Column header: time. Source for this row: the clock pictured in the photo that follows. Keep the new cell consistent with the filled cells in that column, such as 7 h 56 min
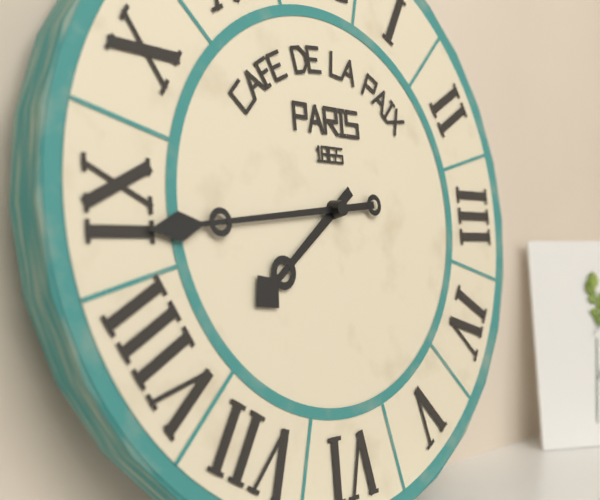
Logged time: 7 h 44 min
